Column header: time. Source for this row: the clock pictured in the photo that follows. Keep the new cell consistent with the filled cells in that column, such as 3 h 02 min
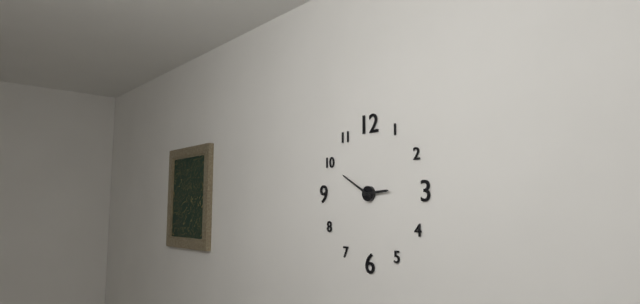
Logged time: 2 h 50 min
